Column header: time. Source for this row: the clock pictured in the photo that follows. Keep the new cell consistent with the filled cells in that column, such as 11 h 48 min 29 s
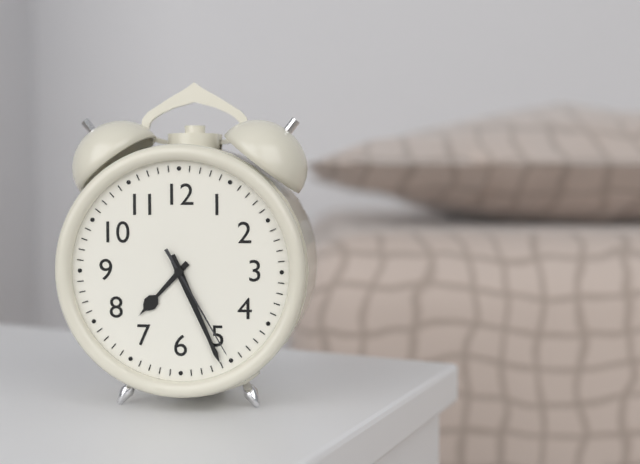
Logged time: 7 h 26 min 25 s
